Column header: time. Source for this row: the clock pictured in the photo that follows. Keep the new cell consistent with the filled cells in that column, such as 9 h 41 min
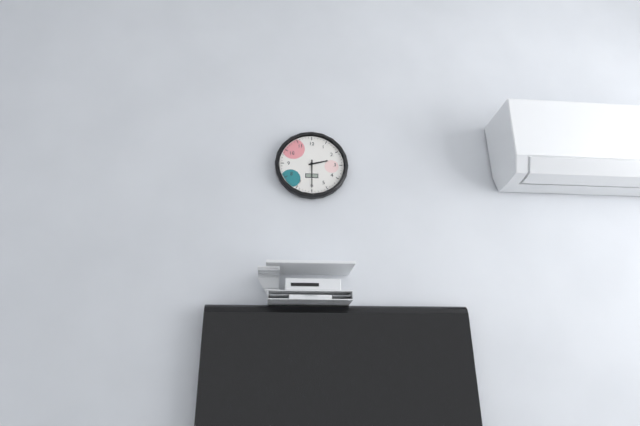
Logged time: 2 h 30 min
